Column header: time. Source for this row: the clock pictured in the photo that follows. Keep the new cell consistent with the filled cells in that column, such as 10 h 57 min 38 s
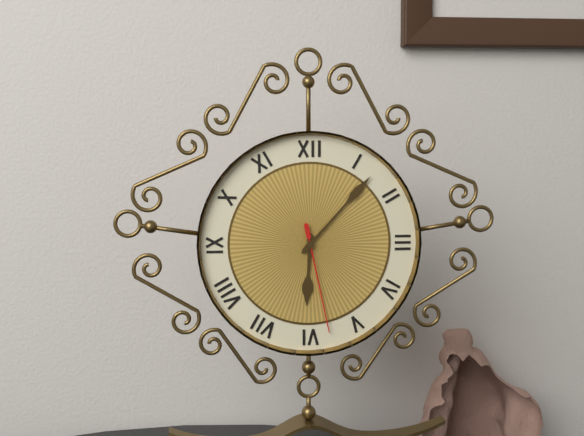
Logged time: 6 h 07 min 28 s
